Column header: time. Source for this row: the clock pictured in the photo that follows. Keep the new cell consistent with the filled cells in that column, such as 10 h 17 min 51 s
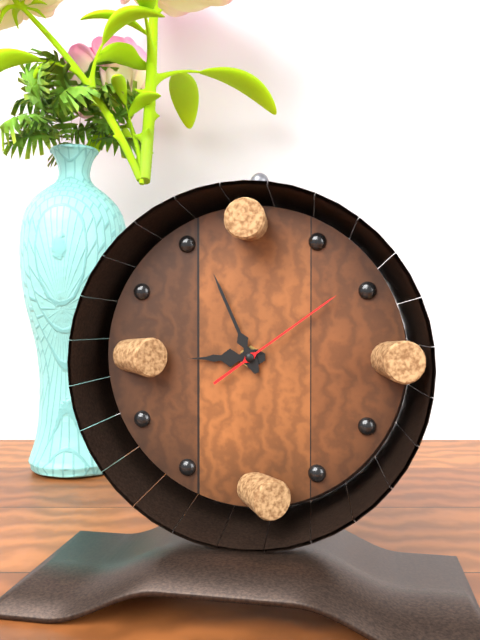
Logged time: 8 h 56 min 09 s
